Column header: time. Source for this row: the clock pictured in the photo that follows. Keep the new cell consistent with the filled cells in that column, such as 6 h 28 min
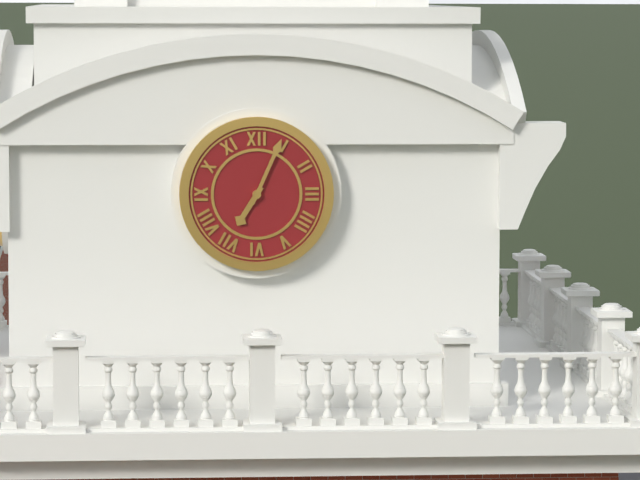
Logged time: 7 h 04 min
